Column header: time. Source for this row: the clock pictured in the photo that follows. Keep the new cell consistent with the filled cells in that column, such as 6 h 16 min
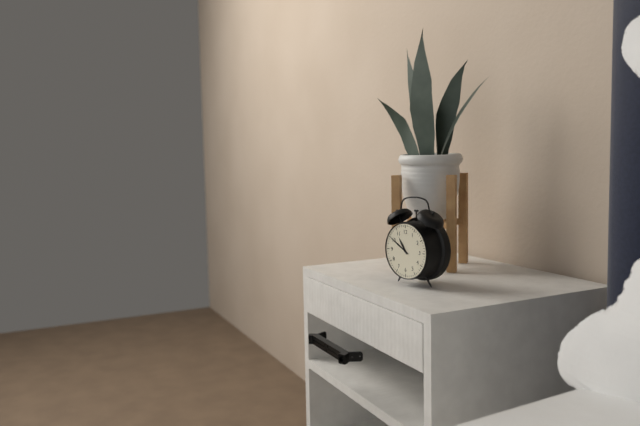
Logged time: 10 h 50 min
